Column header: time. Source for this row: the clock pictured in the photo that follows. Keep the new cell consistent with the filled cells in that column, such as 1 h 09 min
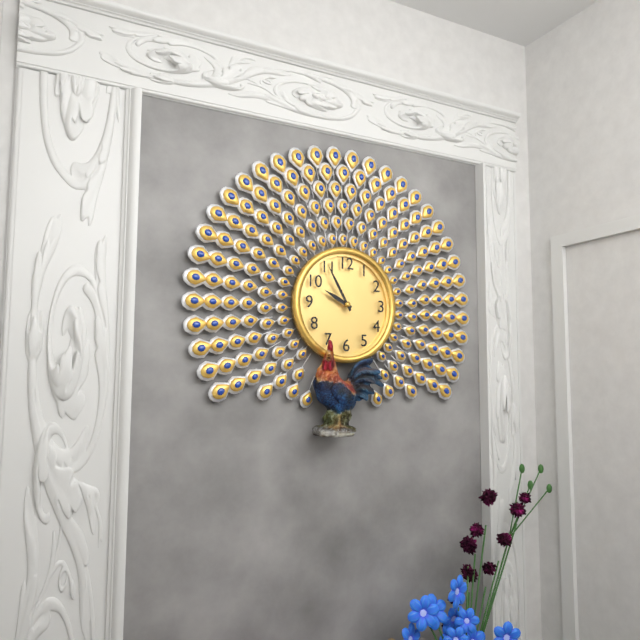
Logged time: 9 h 55 min
